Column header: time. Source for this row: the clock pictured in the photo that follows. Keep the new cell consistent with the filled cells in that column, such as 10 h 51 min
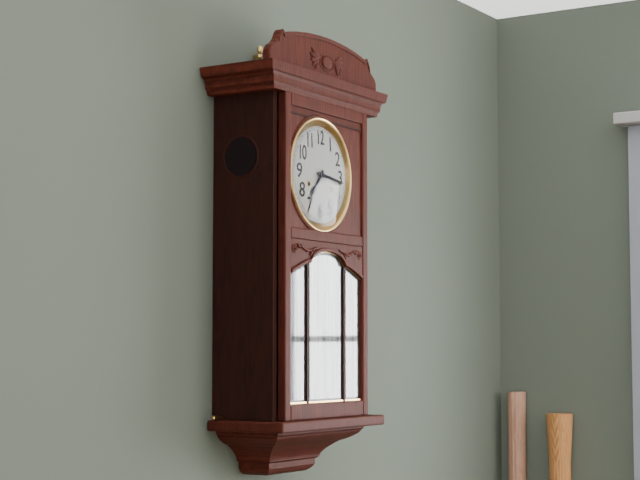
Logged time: 7 h 16 min
